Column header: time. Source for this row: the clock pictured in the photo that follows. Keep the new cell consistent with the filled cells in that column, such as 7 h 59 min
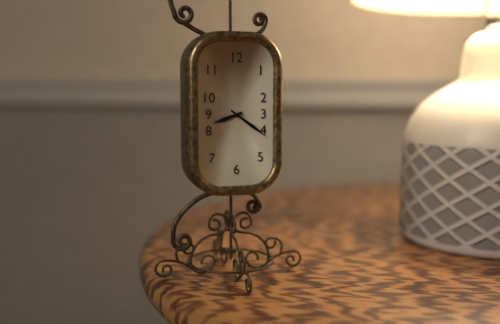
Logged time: 8 h 21 min
